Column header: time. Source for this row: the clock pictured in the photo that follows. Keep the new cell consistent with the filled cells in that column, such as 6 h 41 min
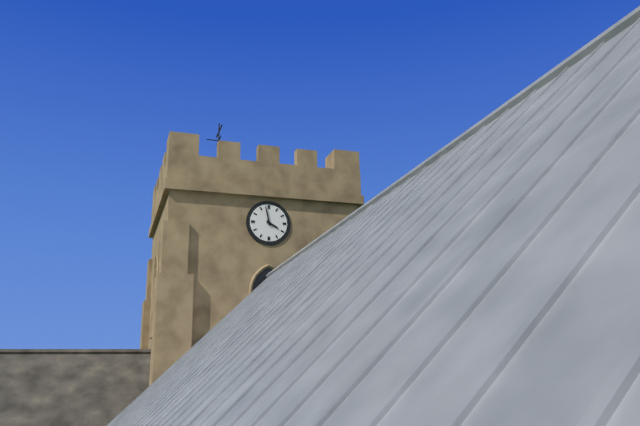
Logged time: 3 h 58 min
